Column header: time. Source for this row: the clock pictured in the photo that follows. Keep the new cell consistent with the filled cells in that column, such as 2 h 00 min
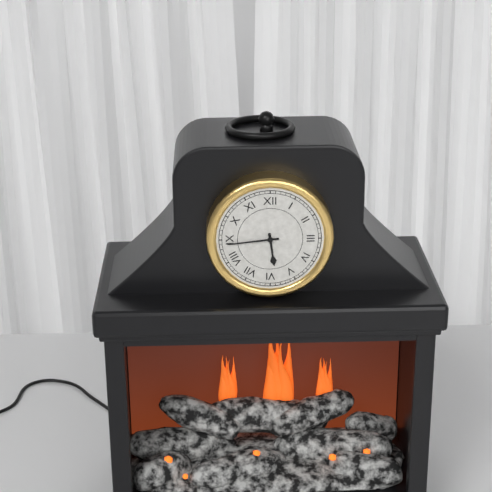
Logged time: 5 h 44 min
